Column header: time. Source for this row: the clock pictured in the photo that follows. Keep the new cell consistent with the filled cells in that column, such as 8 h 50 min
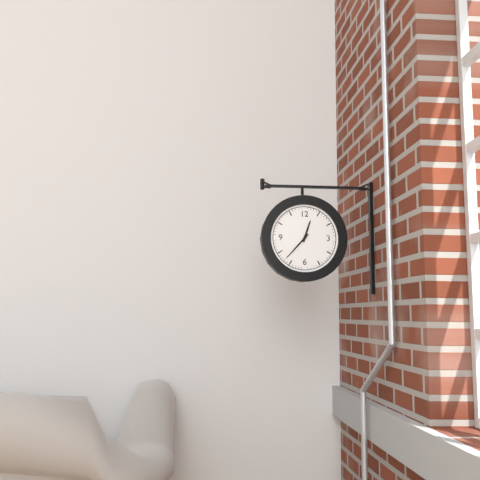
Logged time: 12 h 37 min
